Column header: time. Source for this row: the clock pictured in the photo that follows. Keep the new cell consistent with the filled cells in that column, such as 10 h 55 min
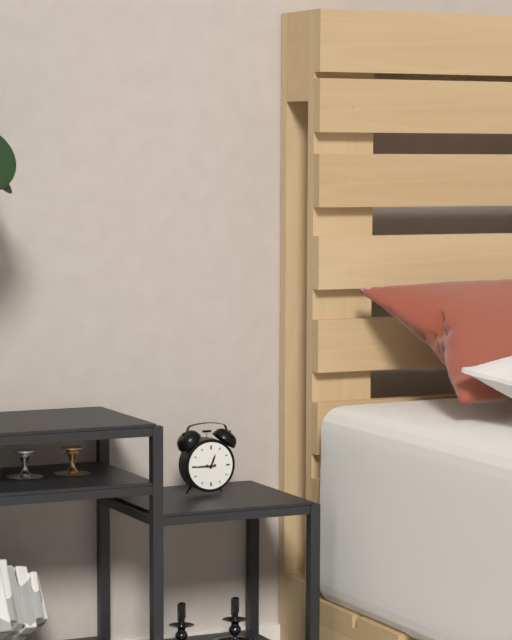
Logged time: 12 h 45 min
